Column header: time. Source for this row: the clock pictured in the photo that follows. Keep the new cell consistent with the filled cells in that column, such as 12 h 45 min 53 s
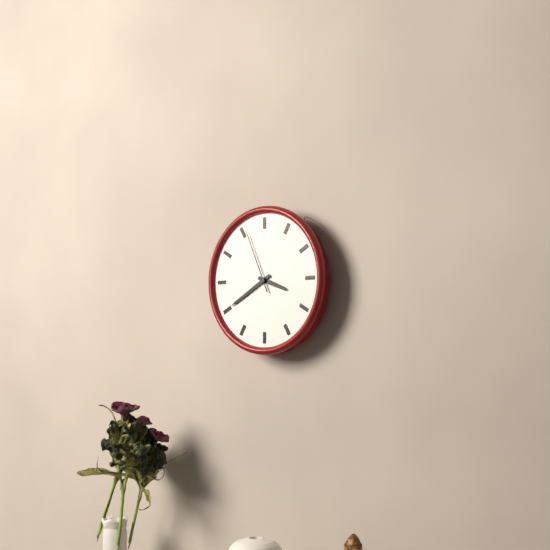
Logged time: 3 h 40 min 56 s
